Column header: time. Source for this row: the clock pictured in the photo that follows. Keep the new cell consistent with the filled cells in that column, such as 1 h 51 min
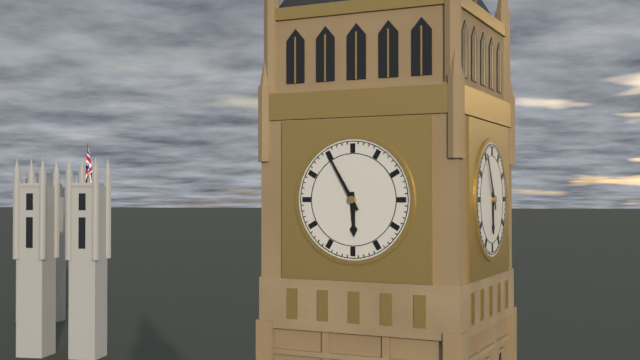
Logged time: 5 h 55 min
